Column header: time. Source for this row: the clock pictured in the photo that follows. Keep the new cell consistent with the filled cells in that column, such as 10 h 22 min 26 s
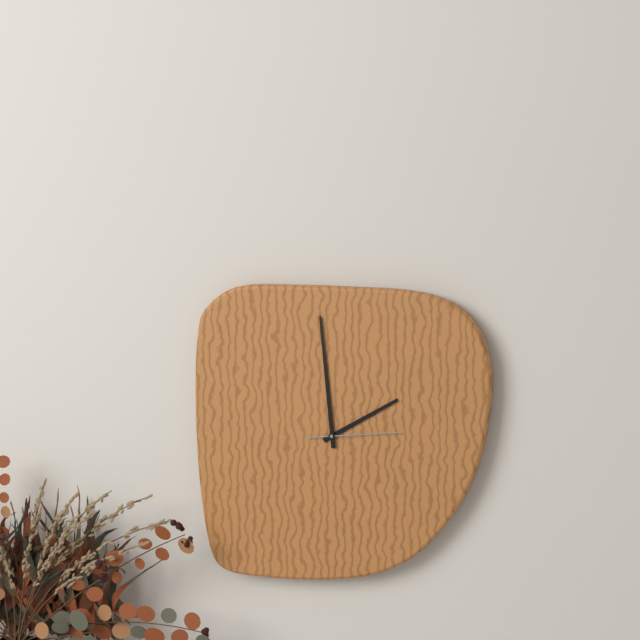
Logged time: 1 h 59 min 14 s
